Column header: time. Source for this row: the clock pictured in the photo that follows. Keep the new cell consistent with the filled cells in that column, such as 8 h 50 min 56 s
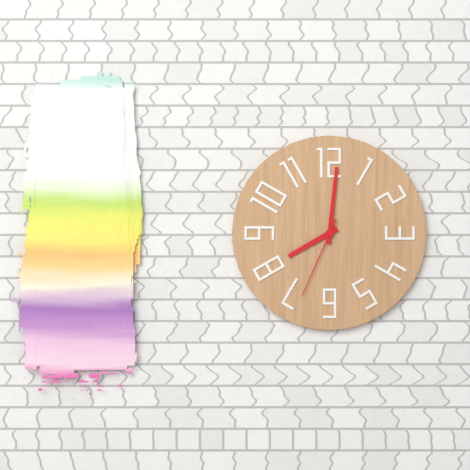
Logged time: 8 h 01 min 34 s
